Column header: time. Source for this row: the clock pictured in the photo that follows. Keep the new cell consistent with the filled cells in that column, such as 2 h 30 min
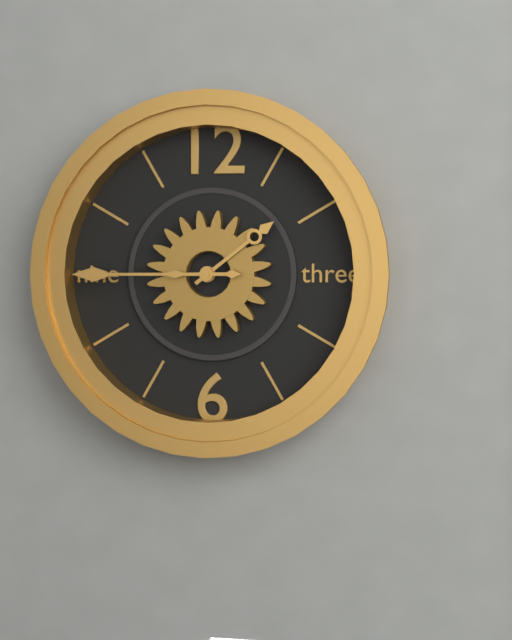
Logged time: 1 h 45 min
